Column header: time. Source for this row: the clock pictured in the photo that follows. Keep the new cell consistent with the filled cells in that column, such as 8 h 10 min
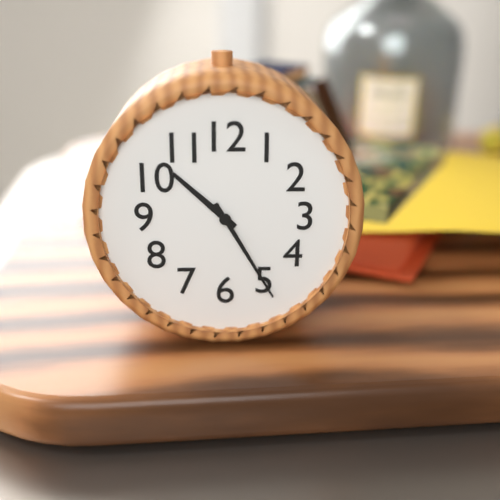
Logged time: 10 h 25 min
